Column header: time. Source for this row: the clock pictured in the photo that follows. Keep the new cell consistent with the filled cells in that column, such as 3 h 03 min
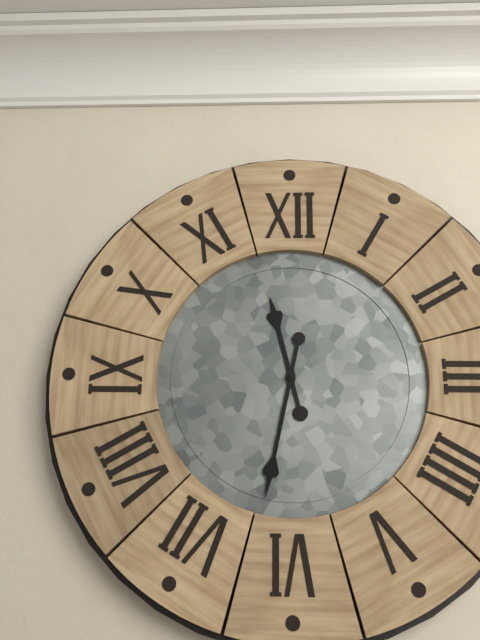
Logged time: 11 h 32 min
